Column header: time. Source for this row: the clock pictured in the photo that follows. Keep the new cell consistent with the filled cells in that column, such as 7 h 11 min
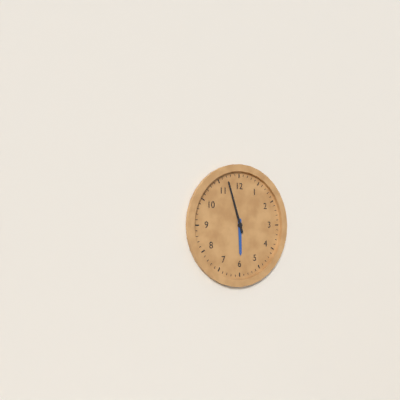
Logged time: 5 h 57 min
